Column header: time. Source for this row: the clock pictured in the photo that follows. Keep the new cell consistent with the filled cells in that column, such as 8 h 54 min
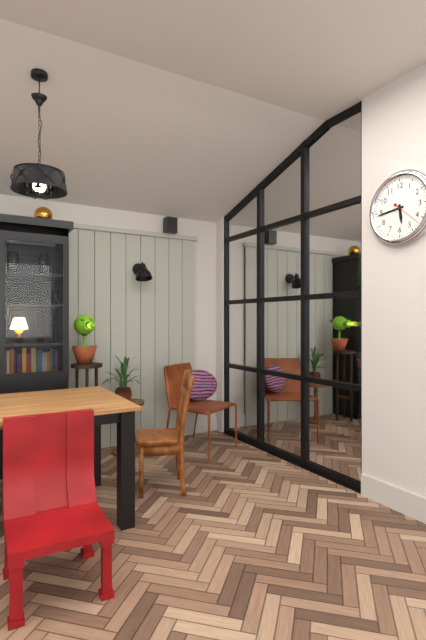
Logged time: 5 h 44 min
